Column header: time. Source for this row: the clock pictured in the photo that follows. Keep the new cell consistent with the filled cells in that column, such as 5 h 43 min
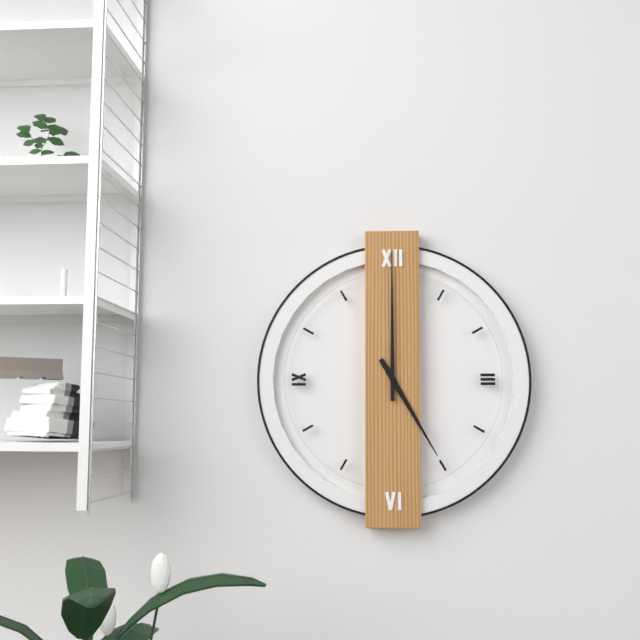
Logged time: 5 h 00 min
